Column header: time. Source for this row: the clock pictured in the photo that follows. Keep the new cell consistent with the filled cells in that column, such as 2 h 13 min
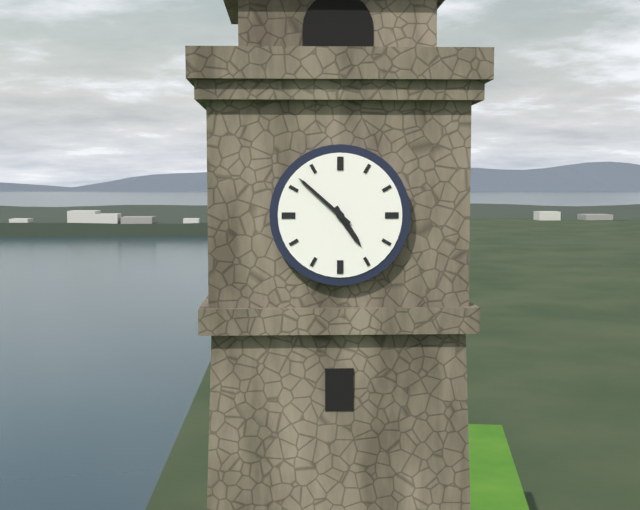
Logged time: 4 h 52 min
